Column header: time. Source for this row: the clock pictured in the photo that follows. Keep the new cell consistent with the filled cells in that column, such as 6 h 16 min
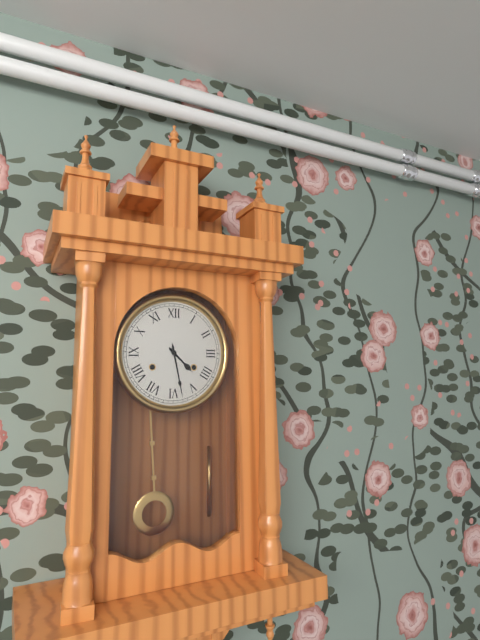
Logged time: 4 h 28 min
